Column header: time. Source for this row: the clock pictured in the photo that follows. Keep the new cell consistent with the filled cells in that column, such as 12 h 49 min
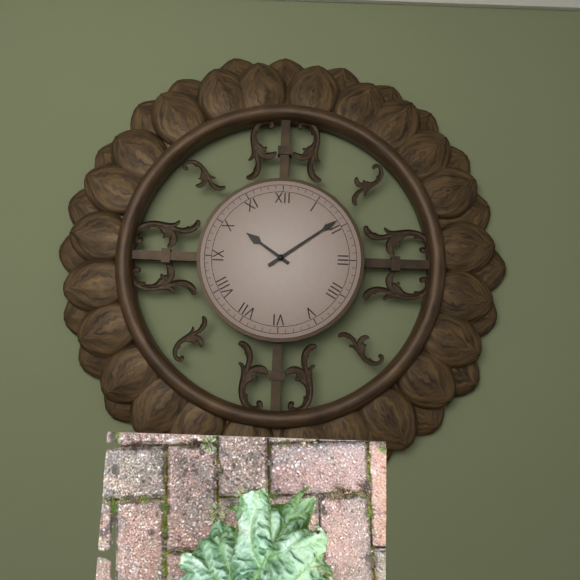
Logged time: 10 h 09 min
